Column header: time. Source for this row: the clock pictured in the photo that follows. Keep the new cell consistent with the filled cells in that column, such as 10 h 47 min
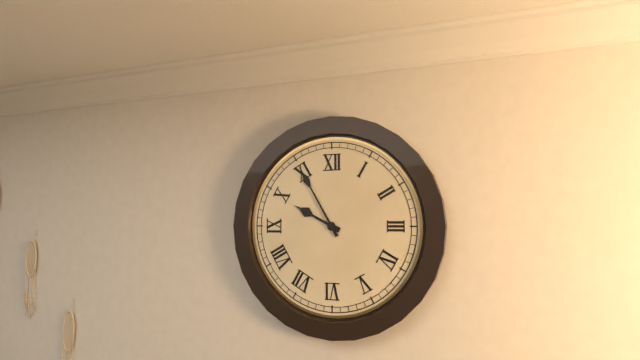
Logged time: 9 h 55 min
